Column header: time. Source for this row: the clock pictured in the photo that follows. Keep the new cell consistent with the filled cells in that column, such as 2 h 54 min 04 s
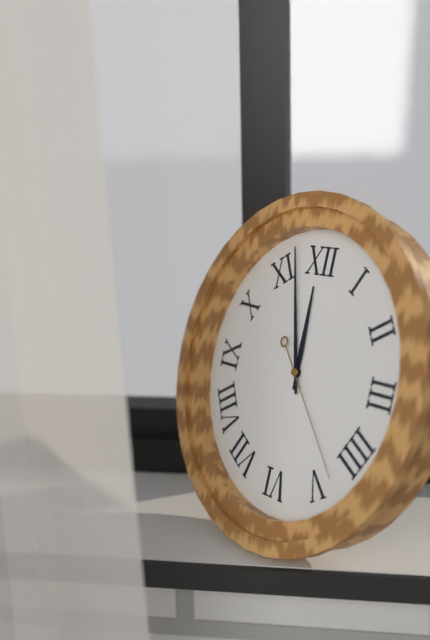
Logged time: 11 h 57 min 23 s
